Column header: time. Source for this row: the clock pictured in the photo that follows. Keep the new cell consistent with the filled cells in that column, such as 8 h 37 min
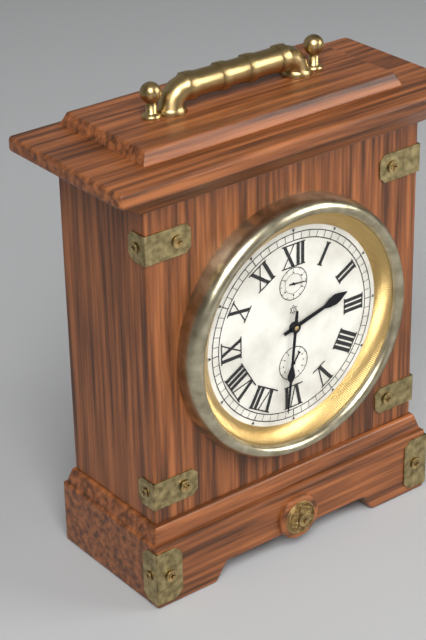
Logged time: 2 h 31 min
